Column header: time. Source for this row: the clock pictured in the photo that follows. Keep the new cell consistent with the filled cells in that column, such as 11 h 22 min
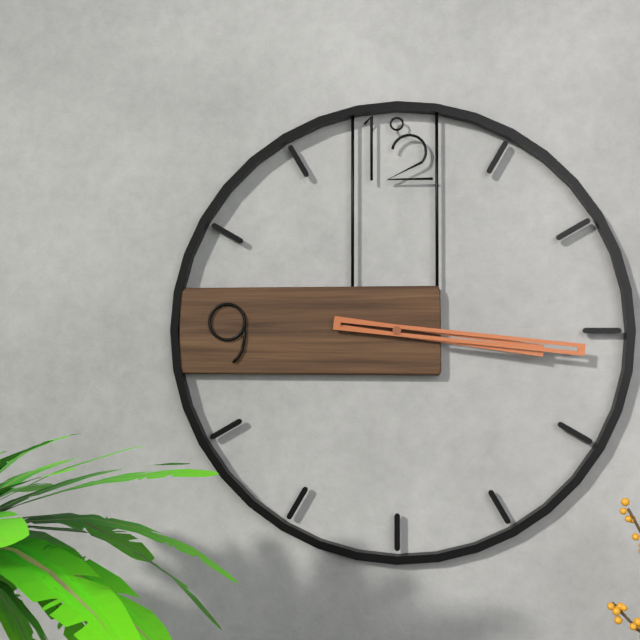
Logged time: 3 h 16 min
